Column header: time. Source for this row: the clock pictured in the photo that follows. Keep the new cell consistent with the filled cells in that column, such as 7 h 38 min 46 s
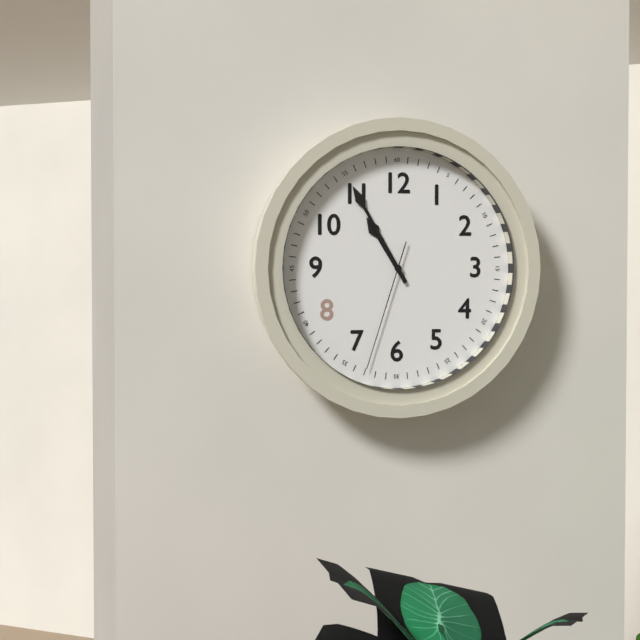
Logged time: 10 h 55 min 33 s
